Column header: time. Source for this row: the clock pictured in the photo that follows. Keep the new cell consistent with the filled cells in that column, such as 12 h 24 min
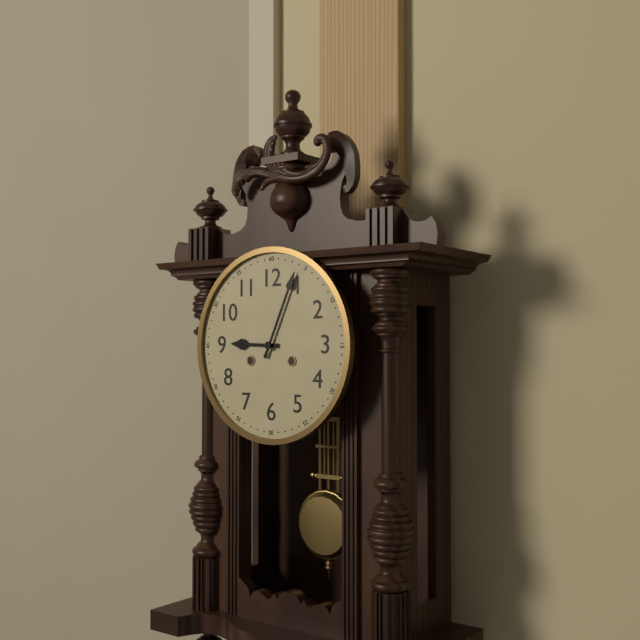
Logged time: 9 h 04 min
